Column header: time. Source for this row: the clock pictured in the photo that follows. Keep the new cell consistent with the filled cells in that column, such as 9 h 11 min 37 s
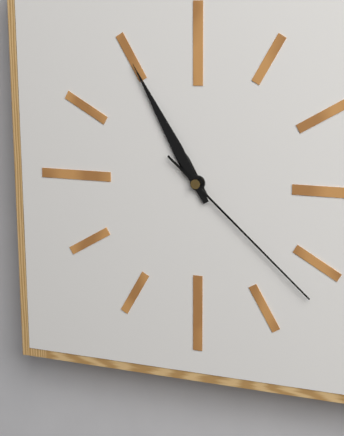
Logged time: 10 h 55 min 22 s
